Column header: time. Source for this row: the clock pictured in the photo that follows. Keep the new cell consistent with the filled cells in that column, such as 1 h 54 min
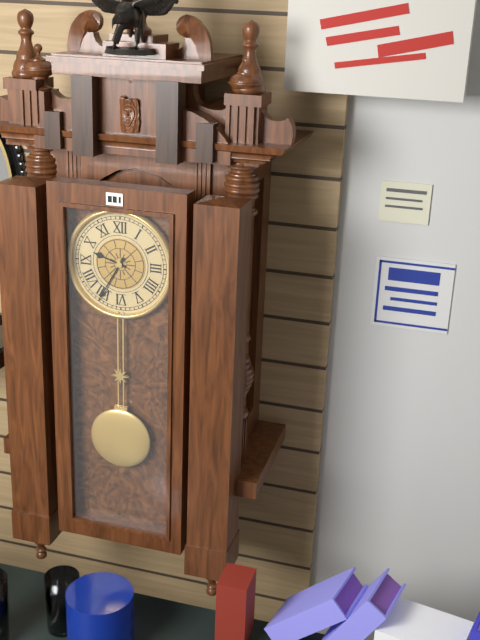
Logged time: 9 h 35 min
